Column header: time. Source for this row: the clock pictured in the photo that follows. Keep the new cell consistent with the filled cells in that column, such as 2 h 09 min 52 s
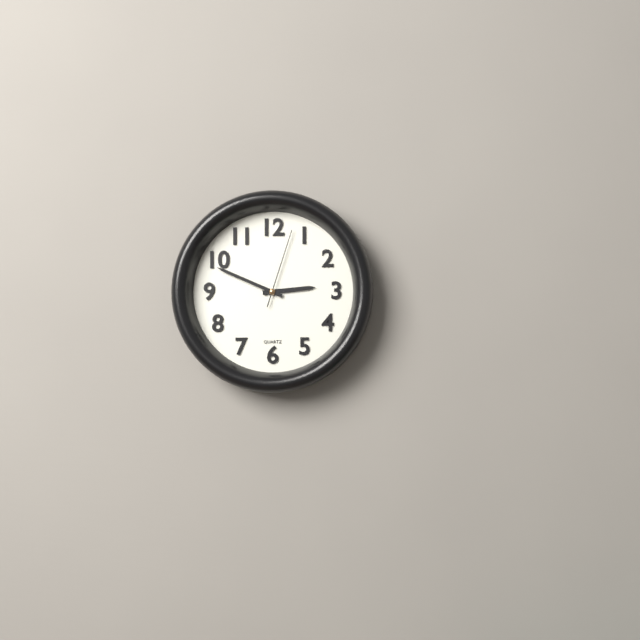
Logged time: 2 h 49 min 03 s
